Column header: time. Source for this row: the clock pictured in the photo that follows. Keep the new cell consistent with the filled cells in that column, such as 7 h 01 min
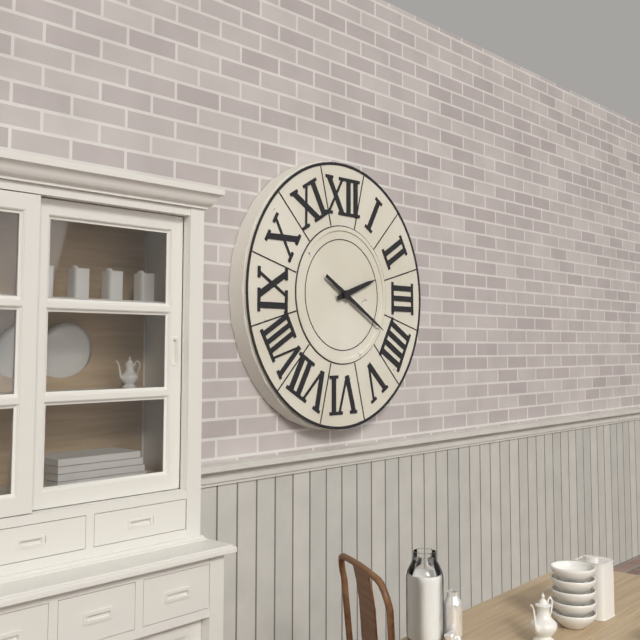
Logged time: 2 h 20 min
